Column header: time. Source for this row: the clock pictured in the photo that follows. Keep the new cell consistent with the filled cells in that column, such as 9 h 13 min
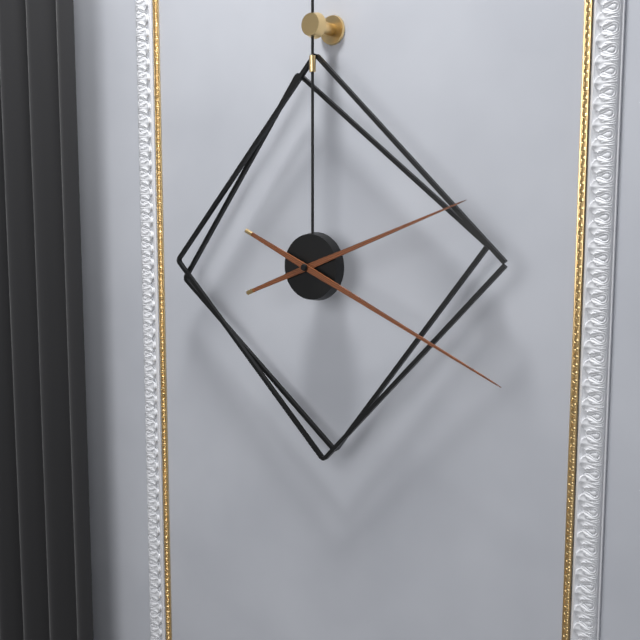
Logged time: 2 h 19 min
